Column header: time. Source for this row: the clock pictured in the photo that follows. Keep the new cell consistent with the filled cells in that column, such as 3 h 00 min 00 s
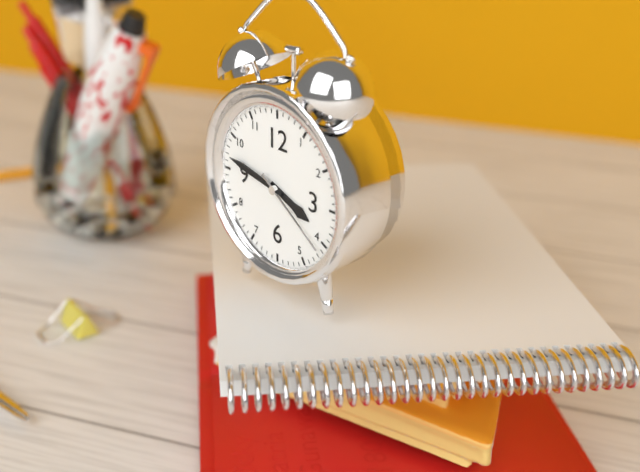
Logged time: 3 h 47 min 21 s
